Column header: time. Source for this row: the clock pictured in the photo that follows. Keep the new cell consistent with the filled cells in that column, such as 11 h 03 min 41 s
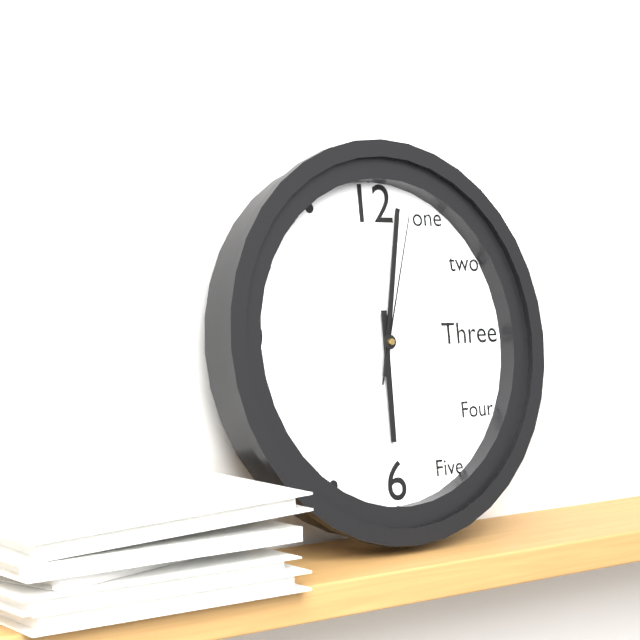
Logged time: 6 h 02 min 03 s
